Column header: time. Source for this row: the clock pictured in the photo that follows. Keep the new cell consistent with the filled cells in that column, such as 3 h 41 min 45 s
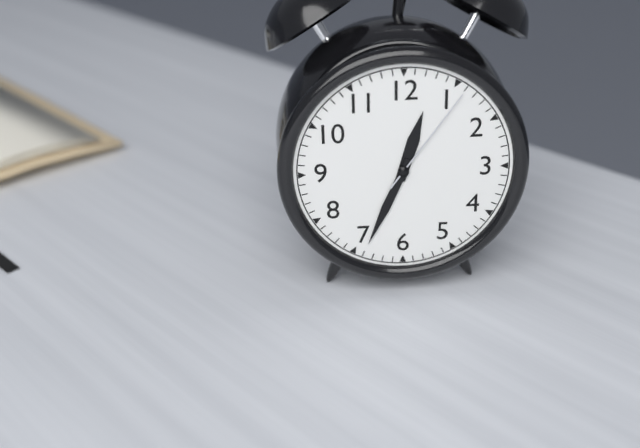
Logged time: 12 h 34 min 06 s
